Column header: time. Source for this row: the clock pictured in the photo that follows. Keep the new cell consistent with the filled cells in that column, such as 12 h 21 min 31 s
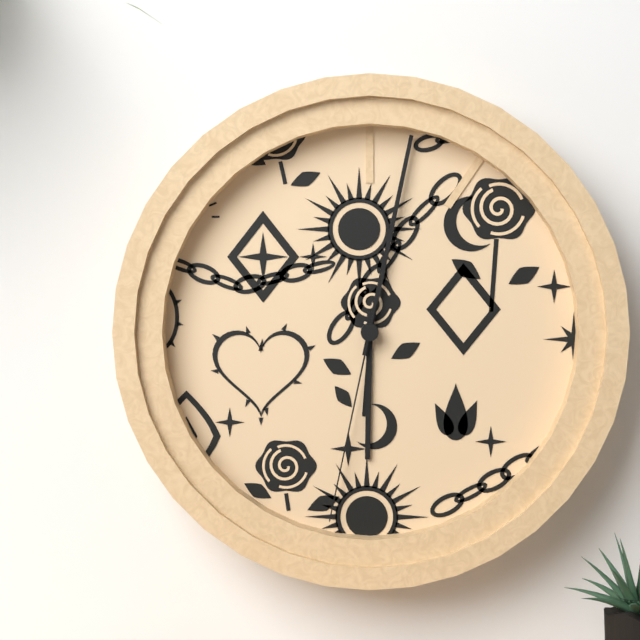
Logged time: 6 h 02 min 32 s
